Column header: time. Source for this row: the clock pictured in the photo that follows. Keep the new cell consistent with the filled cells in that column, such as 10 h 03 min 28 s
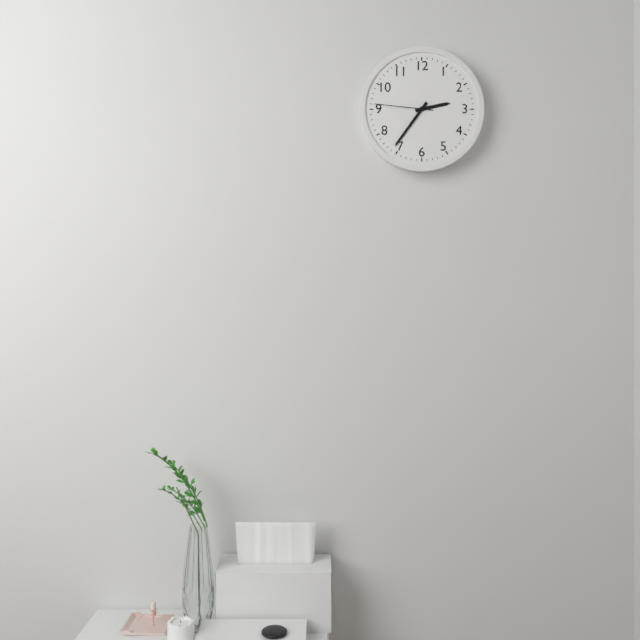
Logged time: 2 h 36 min 46 s
